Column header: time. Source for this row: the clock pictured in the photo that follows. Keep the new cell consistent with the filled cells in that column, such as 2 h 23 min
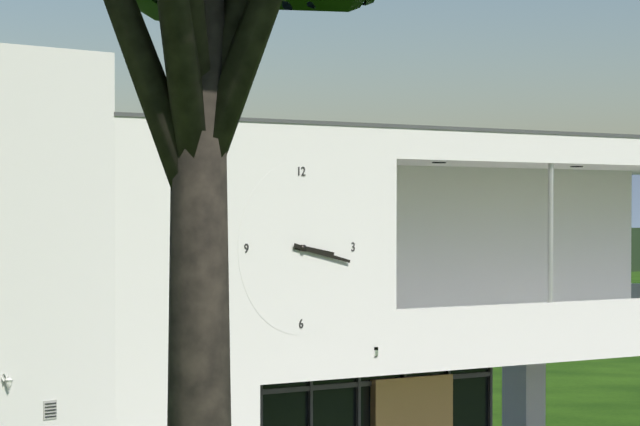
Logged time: 3 h 17 min
